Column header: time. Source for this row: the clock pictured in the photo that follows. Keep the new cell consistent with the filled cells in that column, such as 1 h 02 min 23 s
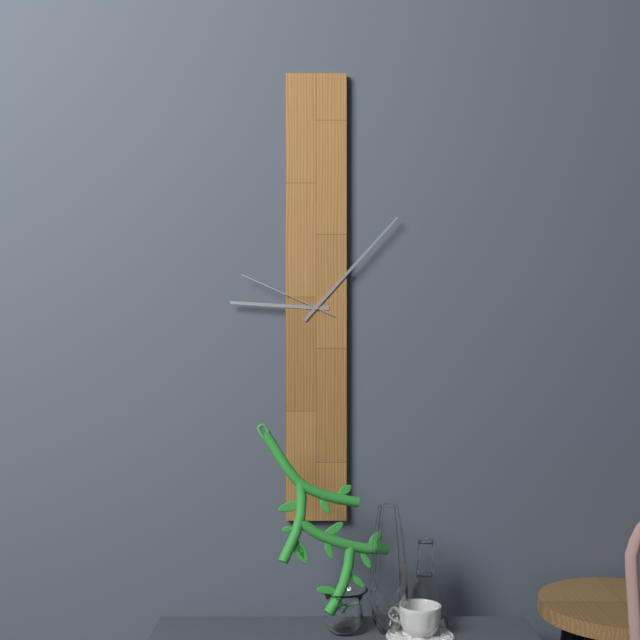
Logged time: 9 h 07 min 49 s
